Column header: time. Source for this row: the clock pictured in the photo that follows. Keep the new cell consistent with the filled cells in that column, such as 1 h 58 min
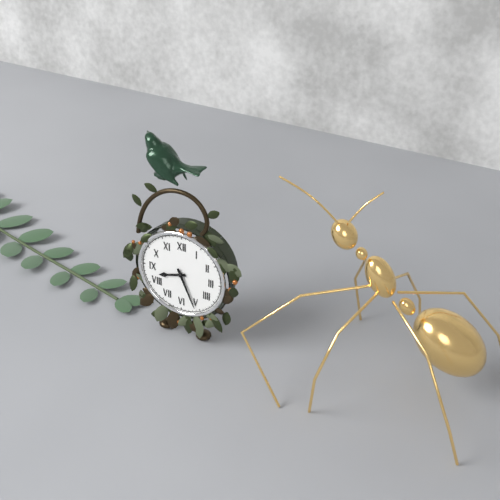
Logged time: 8 h 26 min
